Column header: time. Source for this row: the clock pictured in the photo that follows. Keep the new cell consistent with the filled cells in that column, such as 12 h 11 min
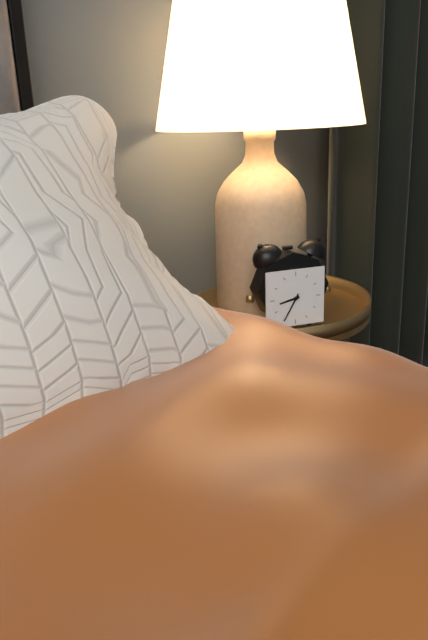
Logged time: 8 h 35 min
